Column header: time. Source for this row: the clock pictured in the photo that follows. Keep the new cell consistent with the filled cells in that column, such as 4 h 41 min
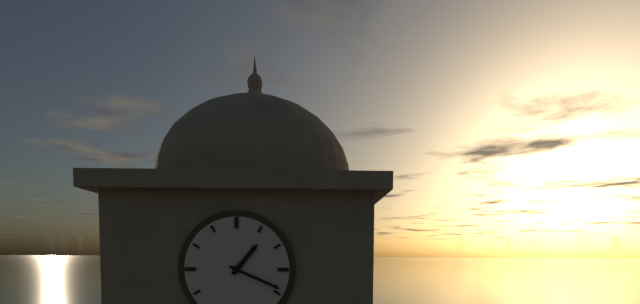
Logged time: 1 h 19 min
